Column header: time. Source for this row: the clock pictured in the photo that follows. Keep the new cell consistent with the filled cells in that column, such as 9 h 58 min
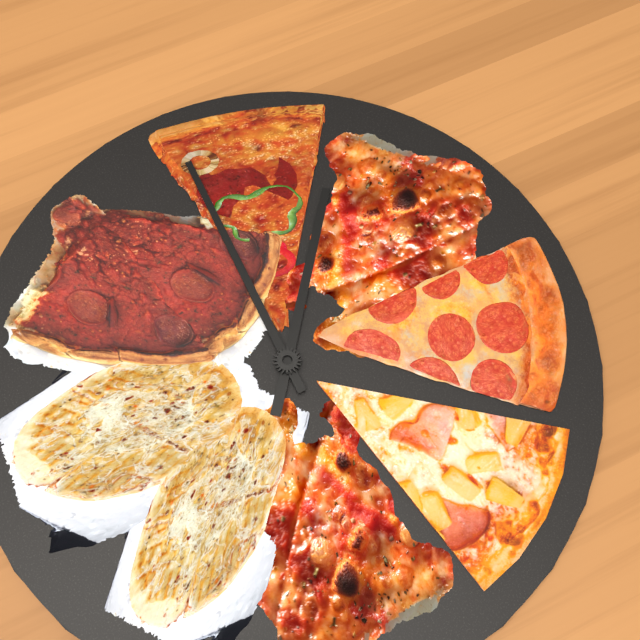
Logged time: 4 h 15 min
